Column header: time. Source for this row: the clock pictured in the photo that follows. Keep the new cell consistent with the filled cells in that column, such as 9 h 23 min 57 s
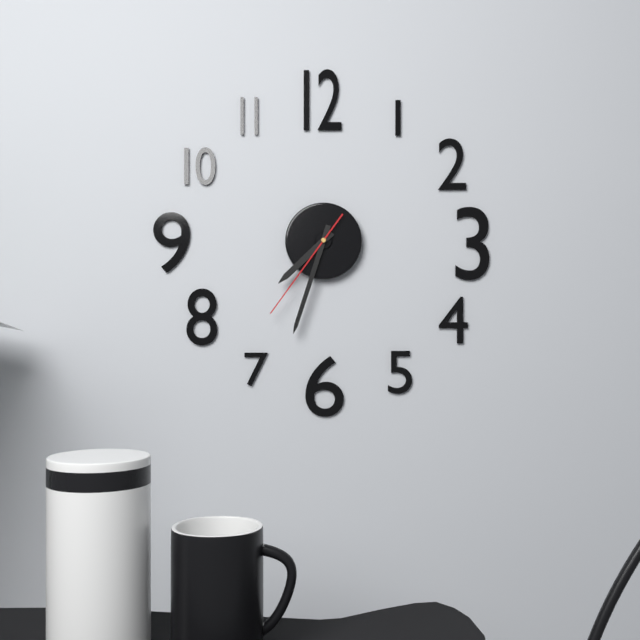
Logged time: 7 h 33 min 36 s
